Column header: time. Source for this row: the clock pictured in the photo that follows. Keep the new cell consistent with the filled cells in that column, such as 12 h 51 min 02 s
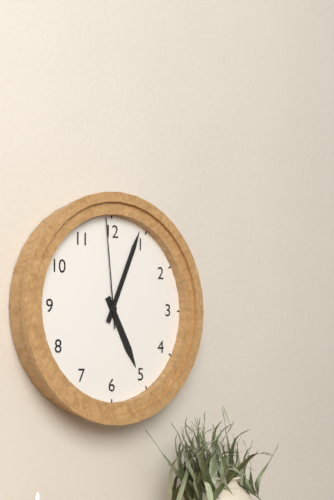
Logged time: 5 h 04 min 59 s
